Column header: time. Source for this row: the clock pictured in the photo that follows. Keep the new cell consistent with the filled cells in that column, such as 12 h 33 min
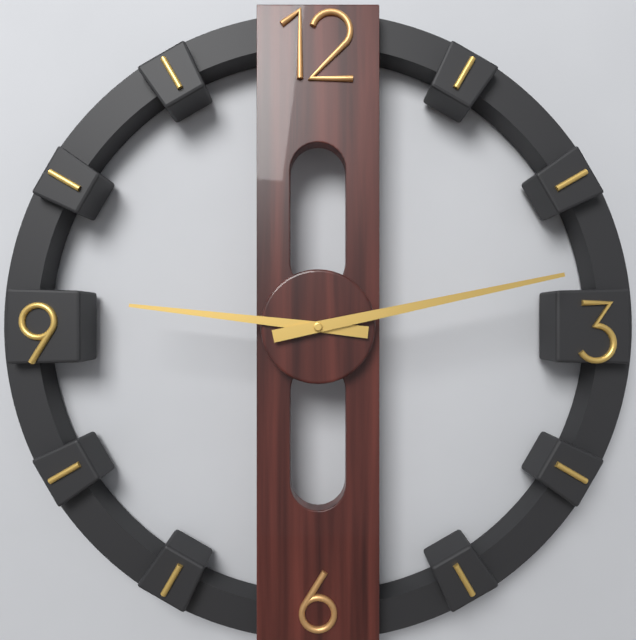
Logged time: 9 h 13 min
